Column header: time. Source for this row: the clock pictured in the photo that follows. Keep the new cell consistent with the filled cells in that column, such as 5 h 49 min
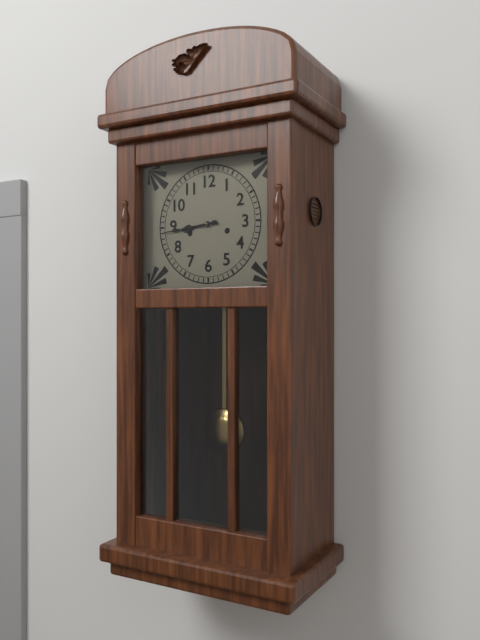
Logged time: 8 h 44 min
